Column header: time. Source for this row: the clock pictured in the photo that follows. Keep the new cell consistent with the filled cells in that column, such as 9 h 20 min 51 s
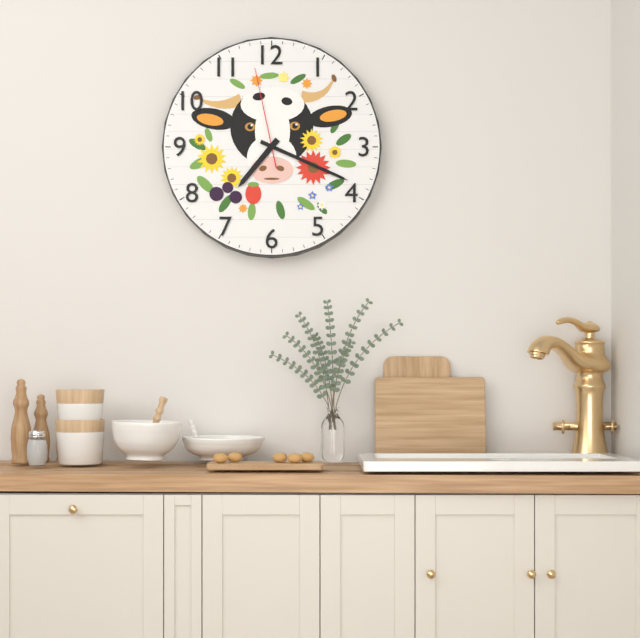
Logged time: 7 h 19 min 58 s
